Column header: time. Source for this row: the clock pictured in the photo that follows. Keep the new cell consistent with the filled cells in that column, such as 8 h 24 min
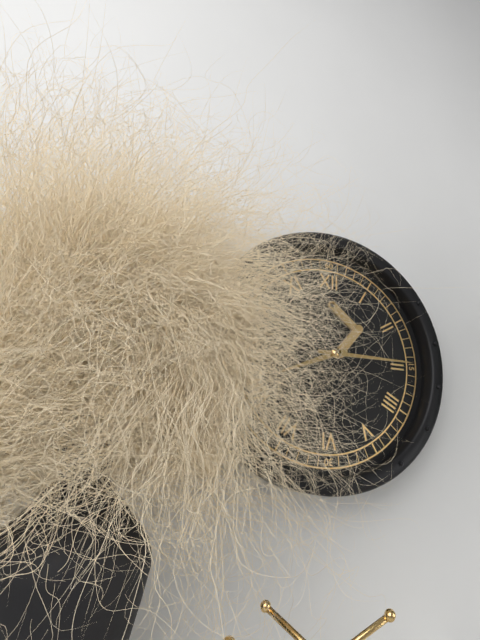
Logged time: 8 h 15 min
